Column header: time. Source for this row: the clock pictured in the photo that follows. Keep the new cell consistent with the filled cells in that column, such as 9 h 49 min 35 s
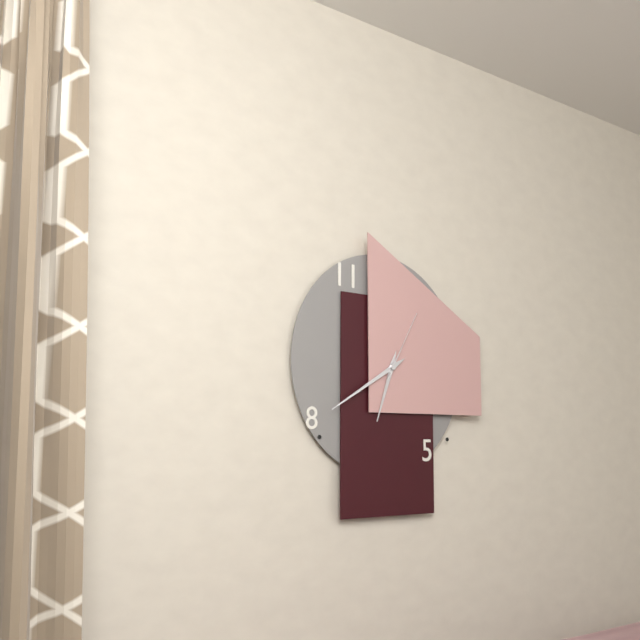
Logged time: 6 h 40 min 05 s
